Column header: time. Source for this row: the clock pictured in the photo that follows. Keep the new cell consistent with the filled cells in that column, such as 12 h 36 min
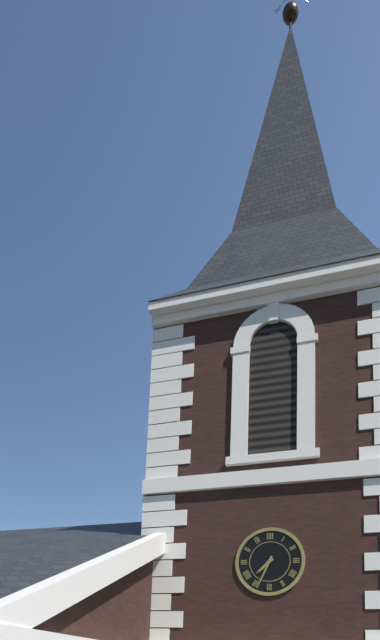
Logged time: 7 h 34 min
